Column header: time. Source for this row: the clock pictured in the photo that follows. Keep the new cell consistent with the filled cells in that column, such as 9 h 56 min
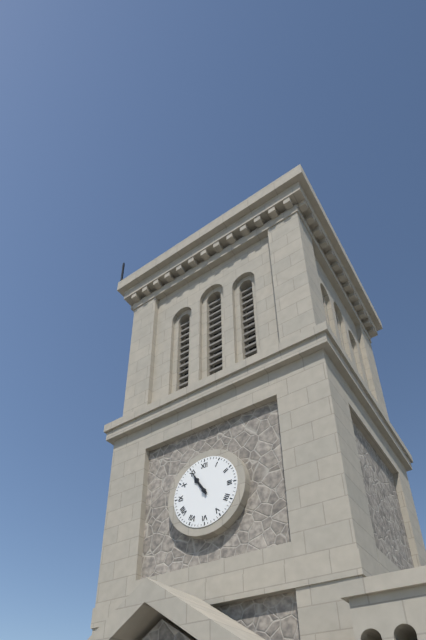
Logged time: 10 h 55 min
